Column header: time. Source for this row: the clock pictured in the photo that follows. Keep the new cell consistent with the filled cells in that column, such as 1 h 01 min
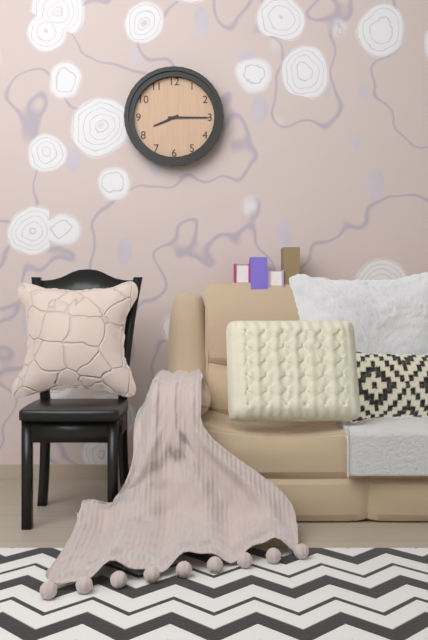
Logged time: 8 h 15 min
